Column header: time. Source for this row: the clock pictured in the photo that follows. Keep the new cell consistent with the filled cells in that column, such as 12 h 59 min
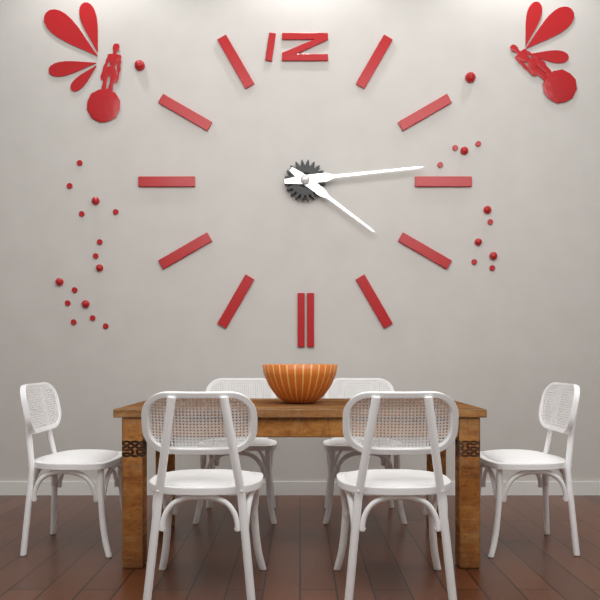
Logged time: 4 h 14 min
